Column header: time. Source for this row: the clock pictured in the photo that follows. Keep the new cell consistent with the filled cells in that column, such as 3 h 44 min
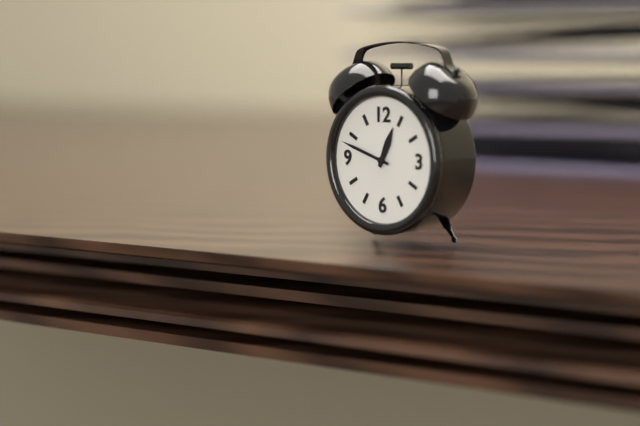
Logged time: 12 h 48 min
